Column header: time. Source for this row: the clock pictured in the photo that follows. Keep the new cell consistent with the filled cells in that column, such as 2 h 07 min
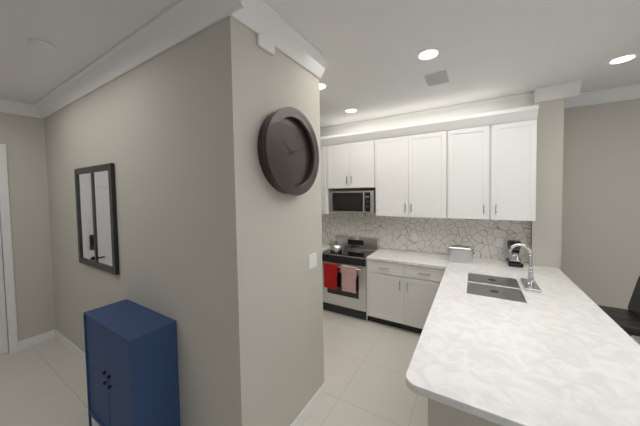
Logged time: 10 h 12 min
